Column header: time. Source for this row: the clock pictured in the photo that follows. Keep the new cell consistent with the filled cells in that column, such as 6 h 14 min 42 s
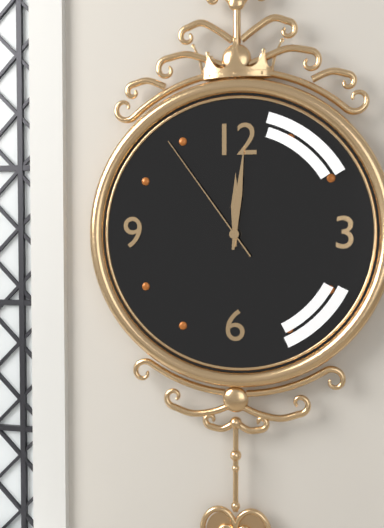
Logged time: 12 h 01 min 54 s
